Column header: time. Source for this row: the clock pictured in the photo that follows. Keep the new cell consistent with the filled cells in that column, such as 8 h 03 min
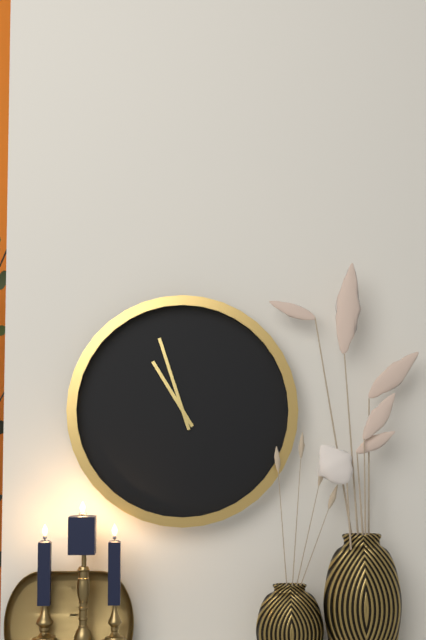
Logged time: 10 h 57 min
